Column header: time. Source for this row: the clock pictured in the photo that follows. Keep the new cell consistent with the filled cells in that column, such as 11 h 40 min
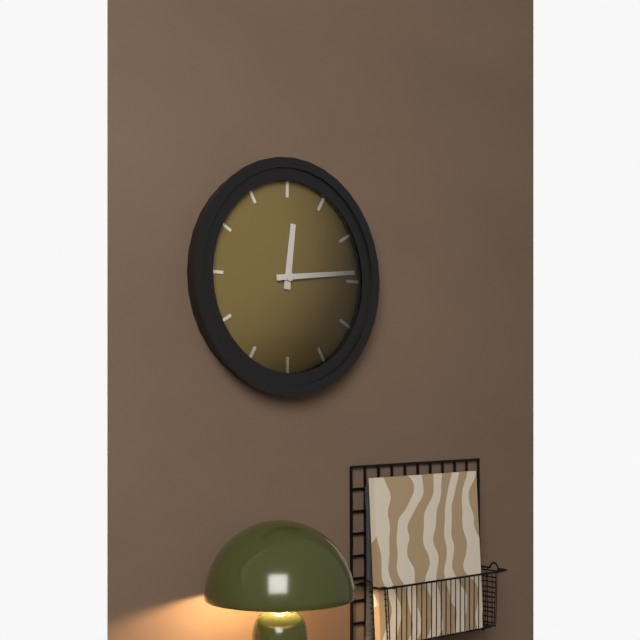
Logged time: 12 h 14 min
